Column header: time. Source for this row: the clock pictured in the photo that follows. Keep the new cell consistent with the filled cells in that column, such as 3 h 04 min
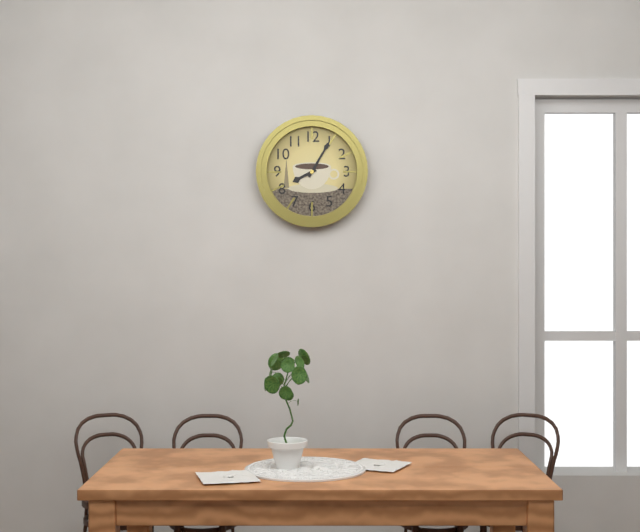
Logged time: 8 h 05 min
